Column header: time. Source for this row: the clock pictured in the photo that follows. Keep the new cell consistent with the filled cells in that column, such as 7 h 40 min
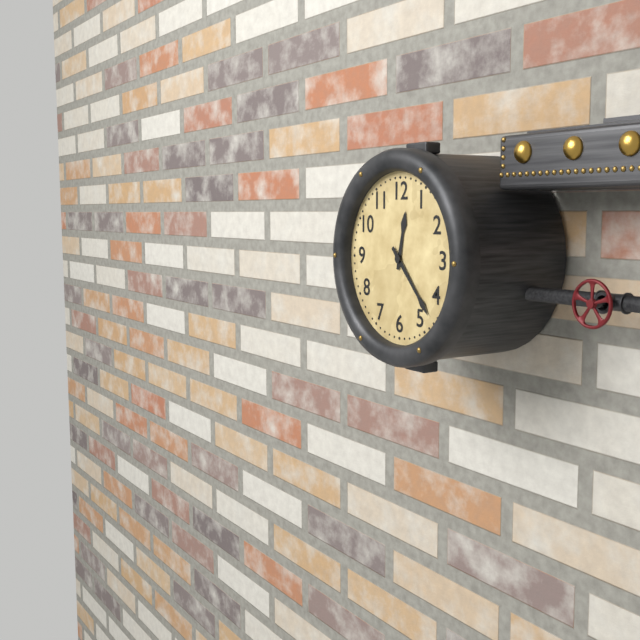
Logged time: 12 h 23 min
